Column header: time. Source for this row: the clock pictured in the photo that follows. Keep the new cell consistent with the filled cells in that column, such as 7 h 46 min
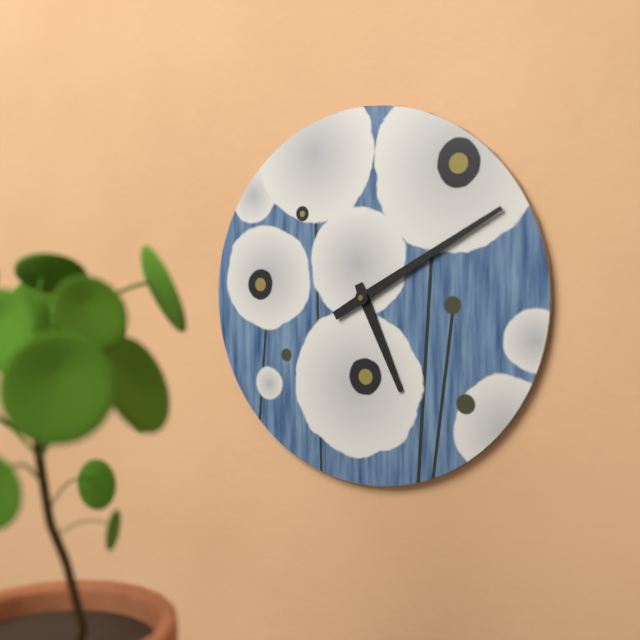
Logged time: 5 h 10 min
